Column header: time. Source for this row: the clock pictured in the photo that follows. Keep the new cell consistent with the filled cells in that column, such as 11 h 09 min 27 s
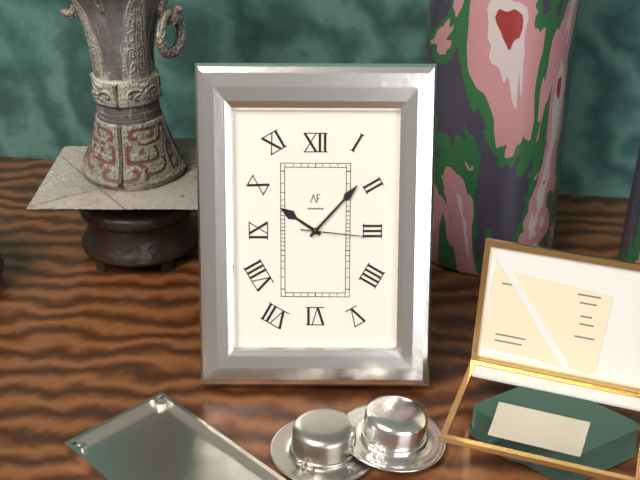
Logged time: 10 h 07 min 16 s
